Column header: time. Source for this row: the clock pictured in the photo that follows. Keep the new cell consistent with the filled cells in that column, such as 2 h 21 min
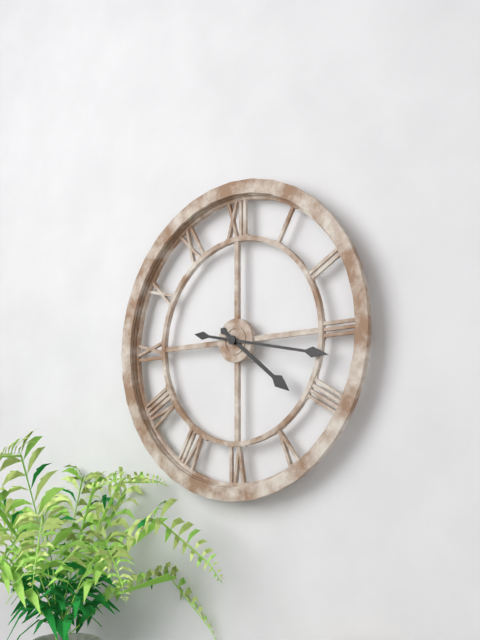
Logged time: 4 h 17 min
